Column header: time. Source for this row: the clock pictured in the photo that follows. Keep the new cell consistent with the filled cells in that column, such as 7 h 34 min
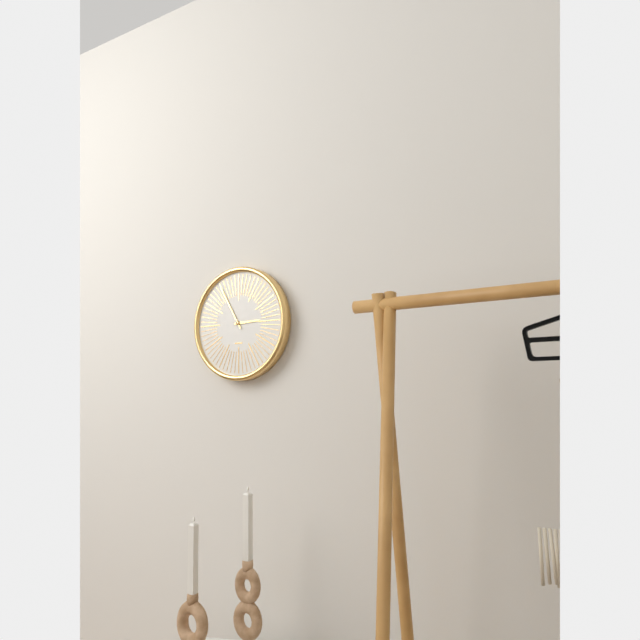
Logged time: 2 h 55 min
